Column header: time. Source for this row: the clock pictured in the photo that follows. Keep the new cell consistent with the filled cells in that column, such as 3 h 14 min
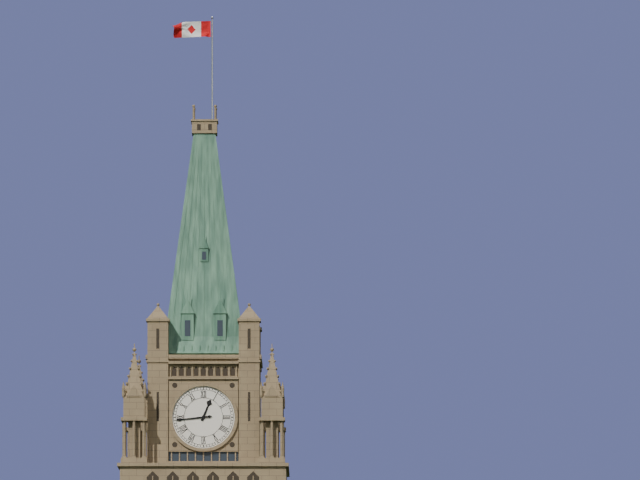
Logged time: 12 h 44 min
